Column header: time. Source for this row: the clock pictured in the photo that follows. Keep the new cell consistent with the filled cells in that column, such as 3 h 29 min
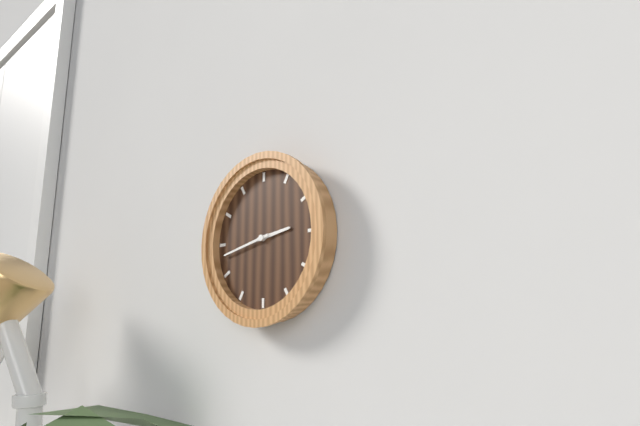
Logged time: 2 h 43 min
